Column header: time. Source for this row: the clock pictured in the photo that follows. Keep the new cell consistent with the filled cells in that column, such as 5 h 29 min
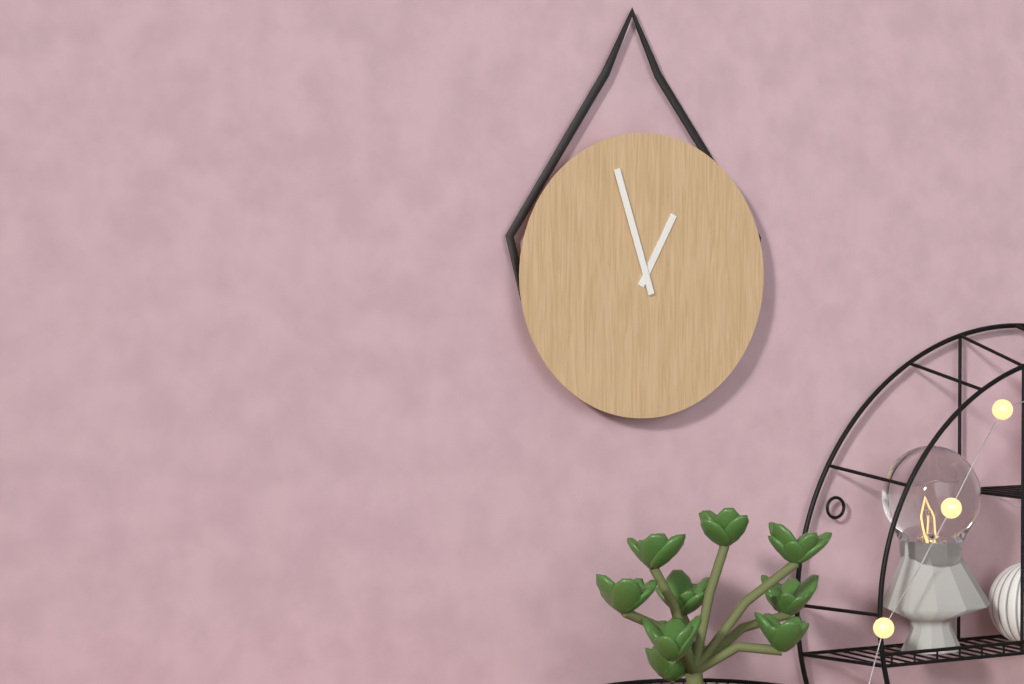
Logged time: 12 h 57 min
